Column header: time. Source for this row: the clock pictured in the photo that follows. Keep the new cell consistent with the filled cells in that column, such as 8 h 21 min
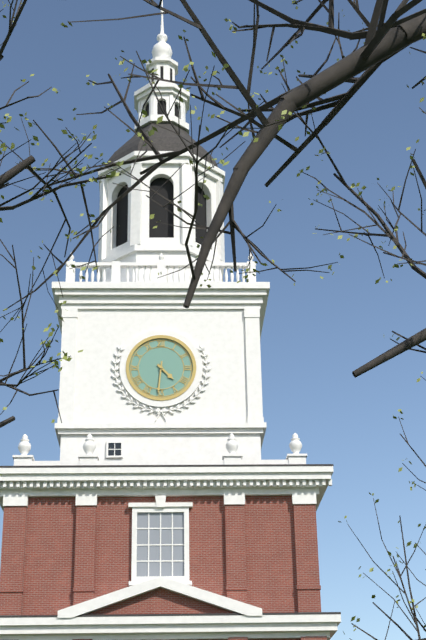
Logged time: 4 h 31 min
